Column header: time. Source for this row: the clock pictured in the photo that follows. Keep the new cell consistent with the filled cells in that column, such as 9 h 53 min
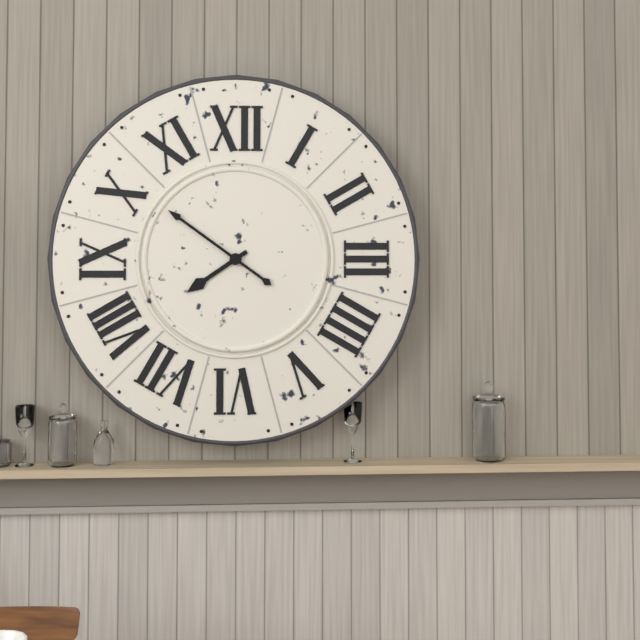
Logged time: 7 h 51 min
